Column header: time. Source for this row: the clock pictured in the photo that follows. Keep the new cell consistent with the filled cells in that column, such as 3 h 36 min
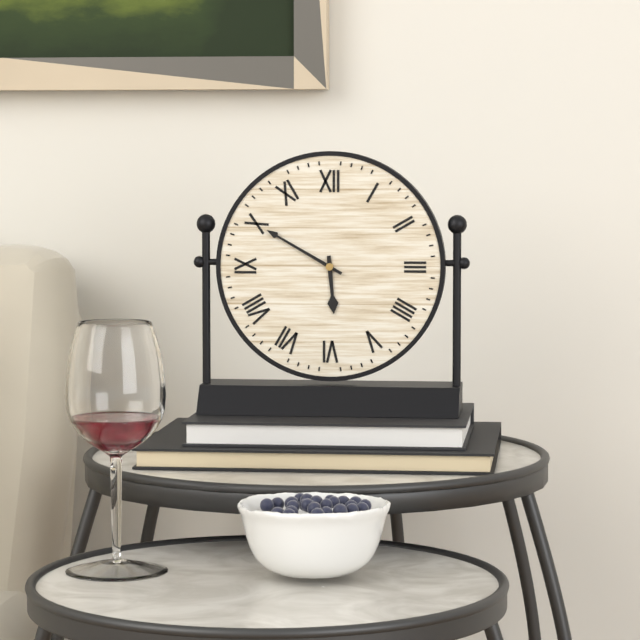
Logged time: 5 h 50 min
